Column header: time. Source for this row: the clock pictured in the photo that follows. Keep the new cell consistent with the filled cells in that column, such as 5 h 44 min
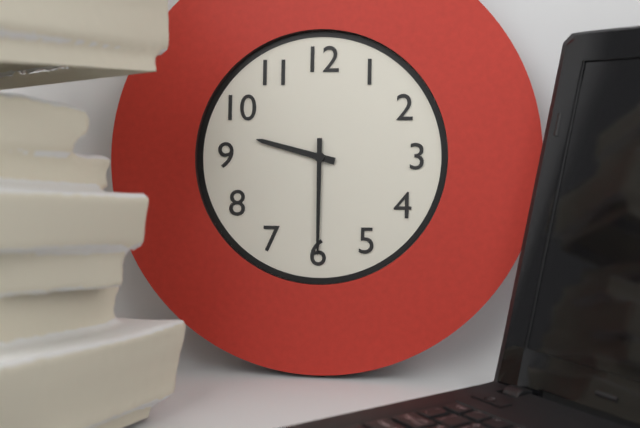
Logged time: 9 h 30 min
